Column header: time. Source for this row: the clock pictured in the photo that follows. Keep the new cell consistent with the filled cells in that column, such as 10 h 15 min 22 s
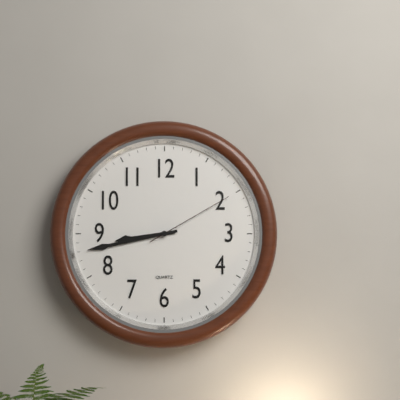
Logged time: 8 h 43 min 10 s
